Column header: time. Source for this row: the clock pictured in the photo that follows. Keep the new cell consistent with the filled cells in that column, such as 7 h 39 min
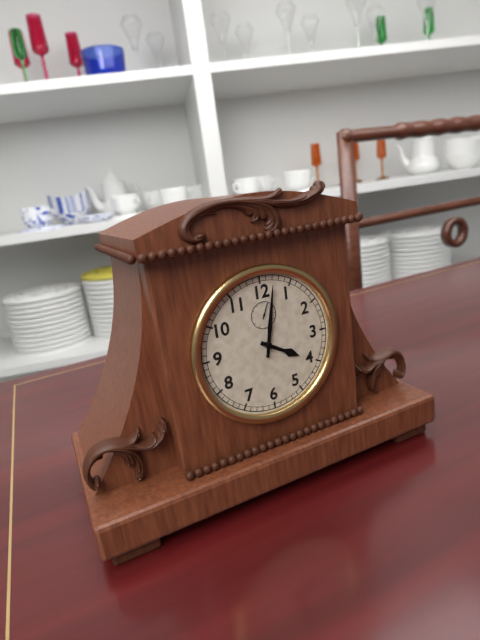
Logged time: 4 h 02 min
